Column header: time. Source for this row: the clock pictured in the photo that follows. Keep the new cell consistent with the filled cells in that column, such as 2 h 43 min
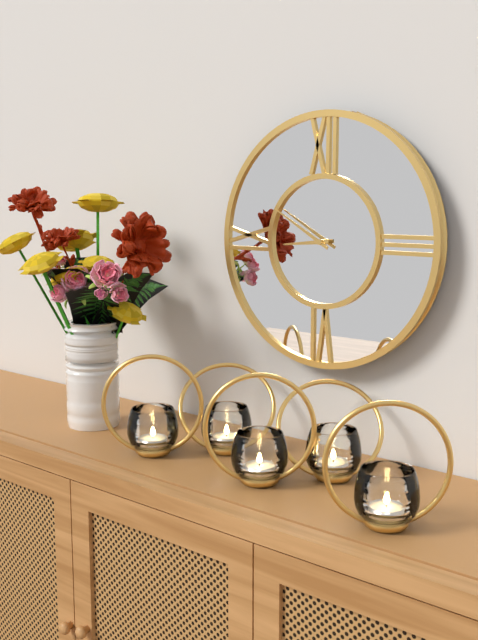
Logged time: 8 h 50 min
